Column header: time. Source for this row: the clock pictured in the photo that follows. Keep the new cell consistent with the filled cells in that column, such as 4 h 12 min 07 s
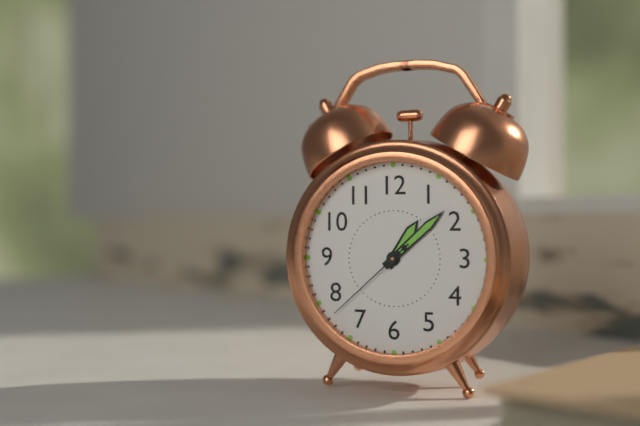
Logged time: 1 h 08 min 38 s
